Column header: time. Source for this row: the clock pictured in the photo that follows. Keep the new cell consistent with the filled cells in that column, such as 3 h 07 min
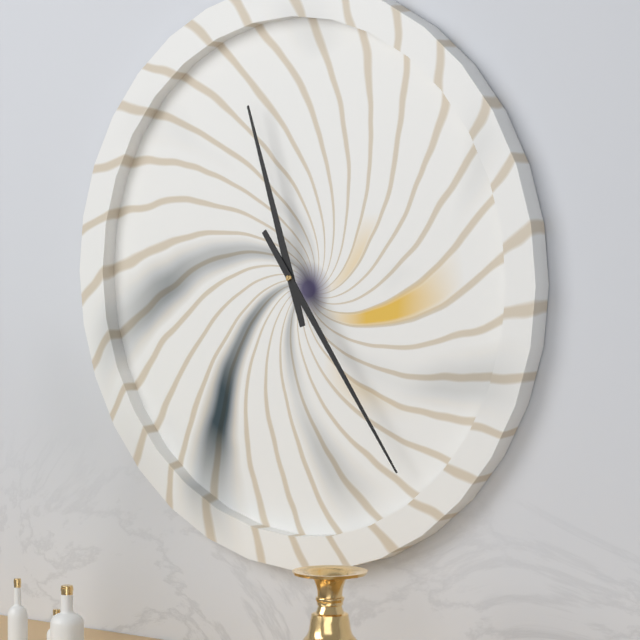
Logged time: 11 h 24 min
